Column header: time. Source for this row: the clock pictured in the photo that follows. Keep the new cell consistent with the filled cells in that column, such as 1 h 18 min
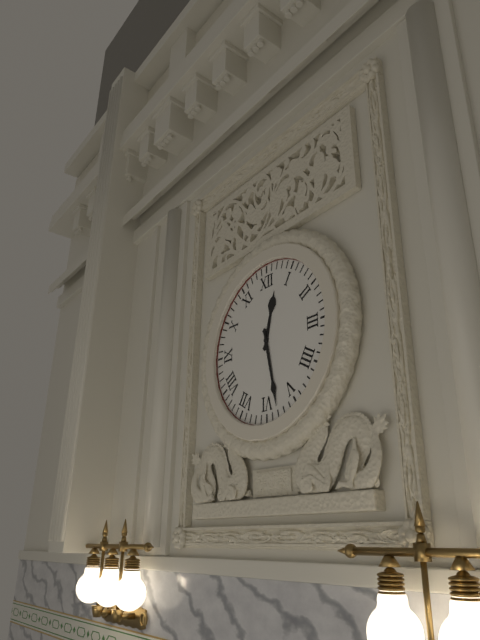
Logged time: 12 h 28 min
